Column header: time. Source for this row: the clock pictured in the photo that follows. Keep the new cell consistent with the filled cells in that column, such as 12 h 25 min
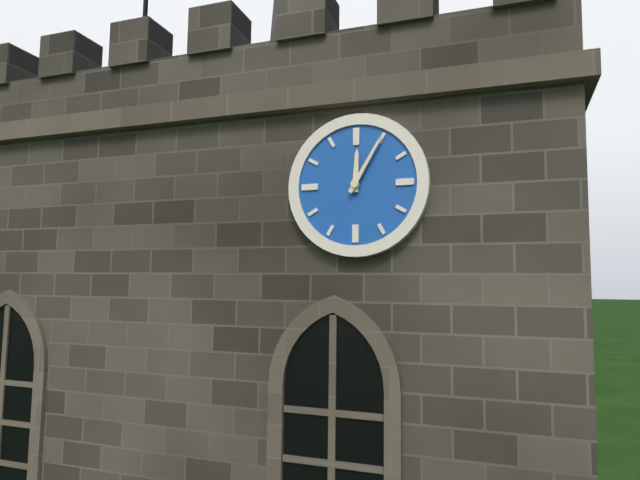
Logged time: 12 h 05 min
